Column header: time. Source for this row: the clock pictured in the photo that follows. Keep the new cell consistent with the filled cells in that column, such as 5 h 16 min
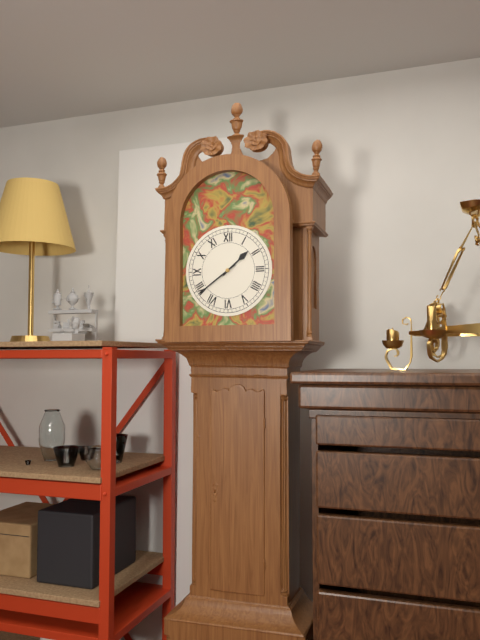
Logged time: 1 h 39 min
